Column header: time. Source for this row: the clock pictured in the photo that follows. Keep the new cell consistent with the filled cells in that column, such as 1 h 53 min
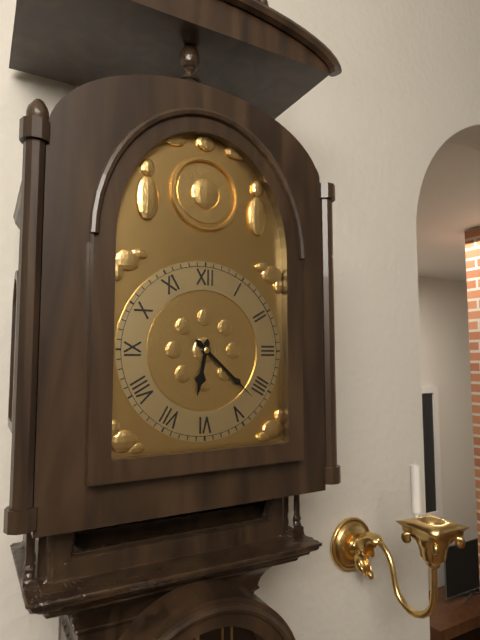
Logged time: 6 h 22 min
